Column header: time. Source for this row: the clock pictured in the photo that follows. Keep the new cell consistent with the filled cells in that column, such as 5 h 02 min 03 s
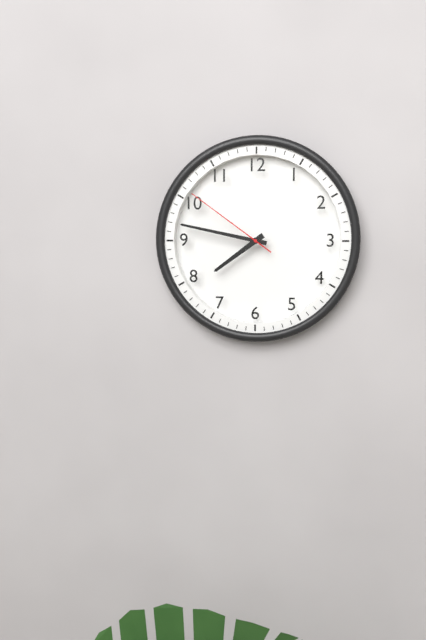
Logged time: 7 h 47 min 51 s
